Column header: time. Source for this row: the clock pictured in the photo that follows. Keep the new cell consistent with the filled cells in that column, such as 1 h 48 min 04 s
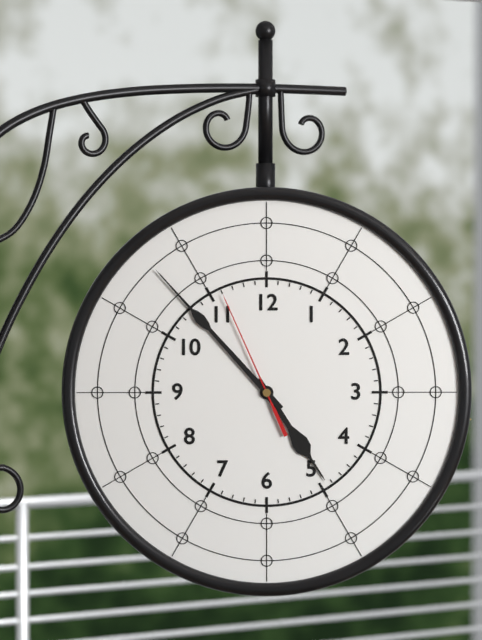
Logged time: 4 h 53 min 56 s
